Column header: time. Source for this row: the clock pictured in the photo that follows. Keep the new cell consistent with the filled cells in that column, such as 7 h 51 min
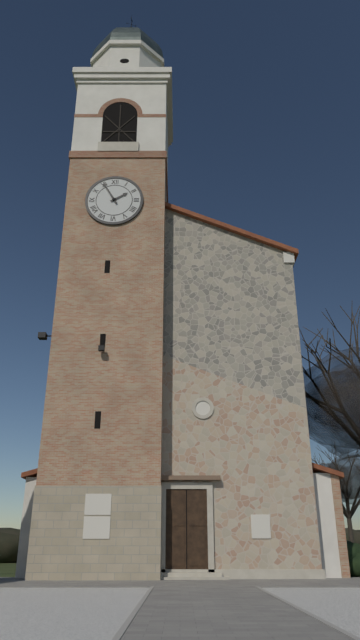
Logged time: 1 h 55 min
